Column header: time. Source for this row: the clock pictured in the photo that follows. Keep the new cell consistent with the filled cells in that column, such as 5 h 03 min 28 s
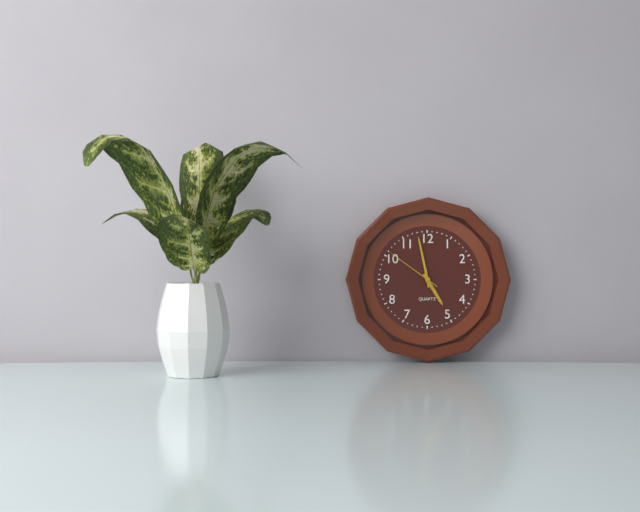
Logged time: 4 h 58 min 51 s
